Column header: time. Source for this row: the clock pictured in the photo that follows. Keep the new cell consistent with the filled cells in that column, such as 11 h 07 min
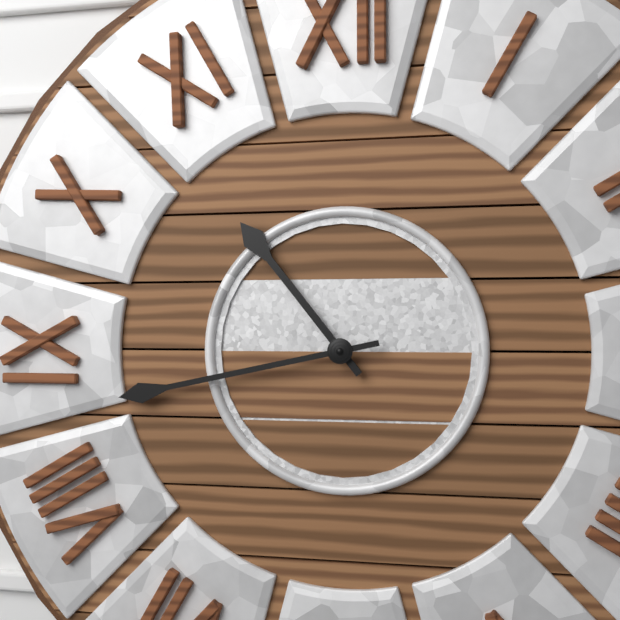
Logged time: 10 h 43 min
